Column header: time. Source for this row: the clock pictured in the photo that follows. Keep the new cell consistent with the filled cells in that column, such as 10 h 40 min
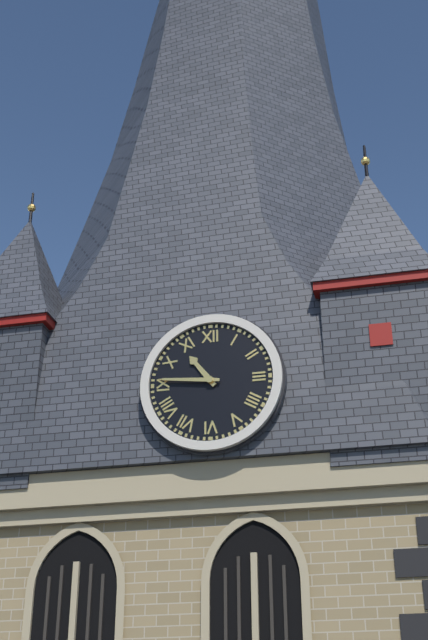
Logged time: 10 h 46 min
